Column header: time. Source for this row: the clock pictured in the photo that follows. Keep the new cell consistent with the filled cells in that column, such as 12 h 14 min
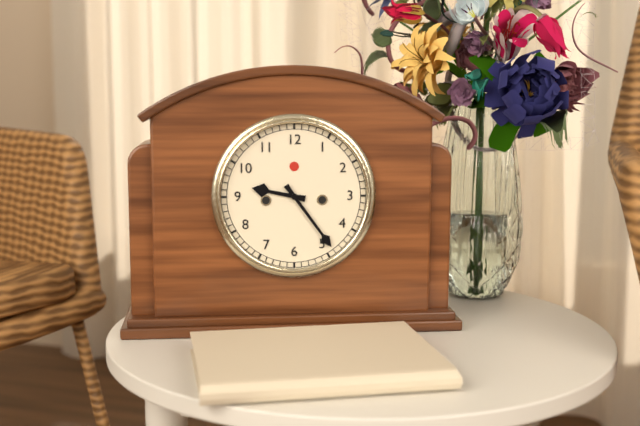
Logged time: 9 h 24 min
